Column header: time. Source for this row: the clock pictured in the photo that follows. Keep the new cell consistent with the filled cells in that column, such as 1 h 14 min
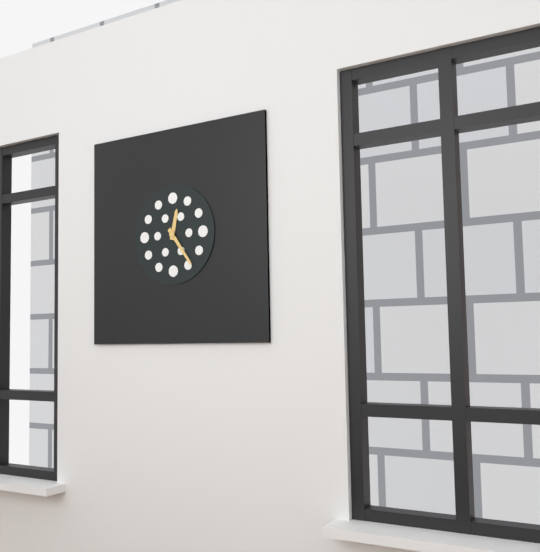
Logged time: 12 h 24 min
